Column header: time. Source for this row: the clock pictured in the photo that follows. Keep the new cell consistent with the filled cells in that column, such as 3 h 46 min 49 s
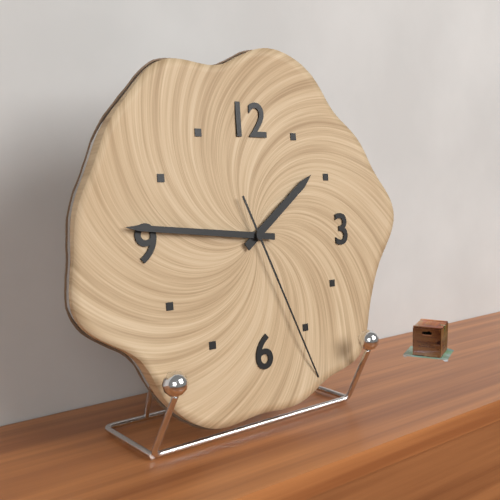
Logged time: 1 h 46 min 26 s
